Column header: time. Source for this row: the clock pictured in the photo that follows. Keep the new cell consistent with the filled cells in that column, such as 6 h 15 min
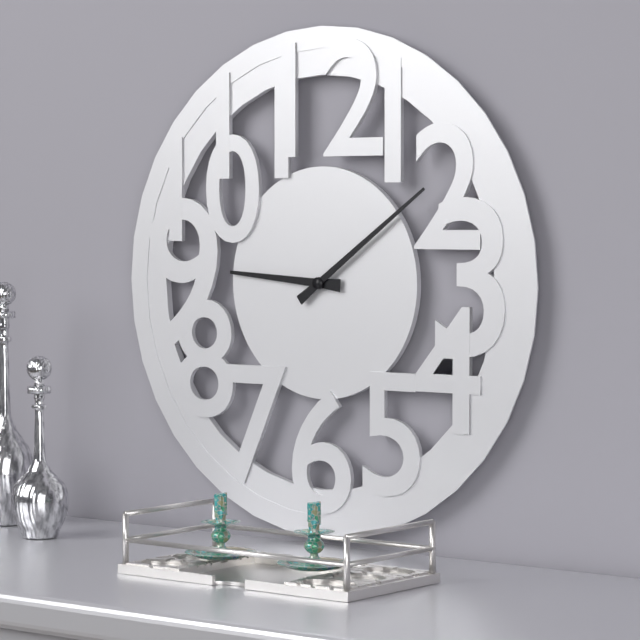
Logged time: 9 h 09 min
